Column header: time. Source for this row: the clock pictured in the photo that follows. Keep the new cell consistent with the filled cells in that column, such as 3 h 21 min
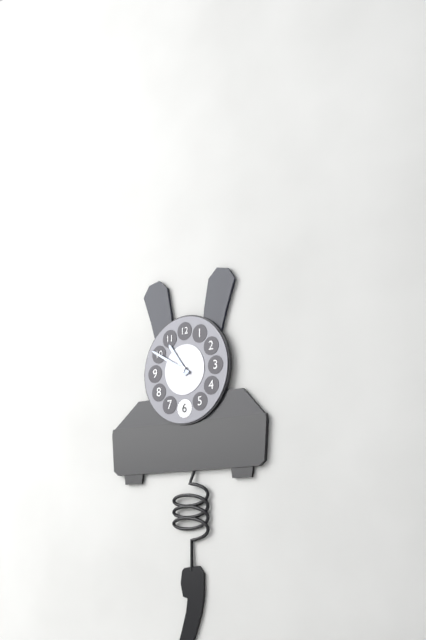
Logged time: 10 h 50 min
